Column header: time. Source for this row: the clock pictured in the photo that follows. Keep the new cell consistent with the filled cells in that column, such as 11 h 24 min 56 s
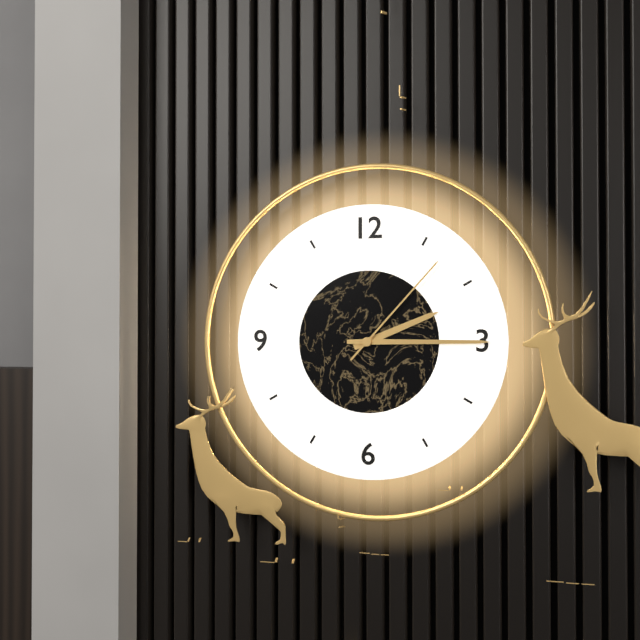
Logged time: 2 h 15 min 07 s
